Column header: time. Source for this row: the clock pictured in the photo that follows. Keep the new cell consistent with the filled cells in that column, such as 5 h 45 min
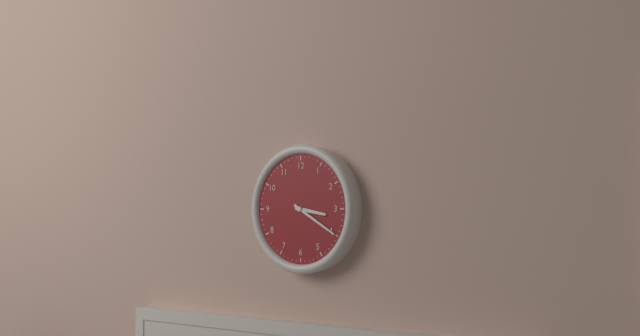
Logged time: 3 h 20 min
